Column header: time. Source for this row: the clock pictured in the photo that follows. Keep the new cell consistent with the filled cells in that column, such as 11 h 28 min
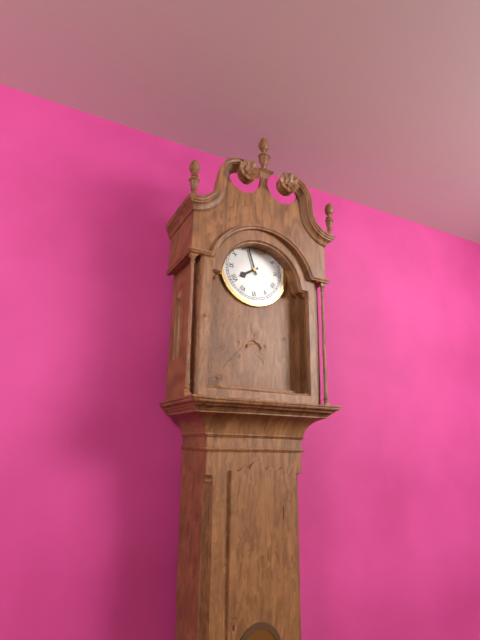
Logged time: 7 h 57 min
